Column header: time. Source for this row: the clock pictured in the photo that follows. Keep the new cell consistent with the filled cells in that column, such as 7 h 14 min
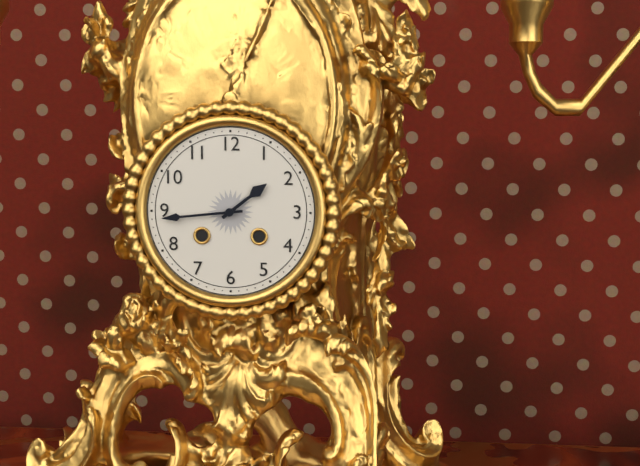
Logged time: 1 h 44 min
